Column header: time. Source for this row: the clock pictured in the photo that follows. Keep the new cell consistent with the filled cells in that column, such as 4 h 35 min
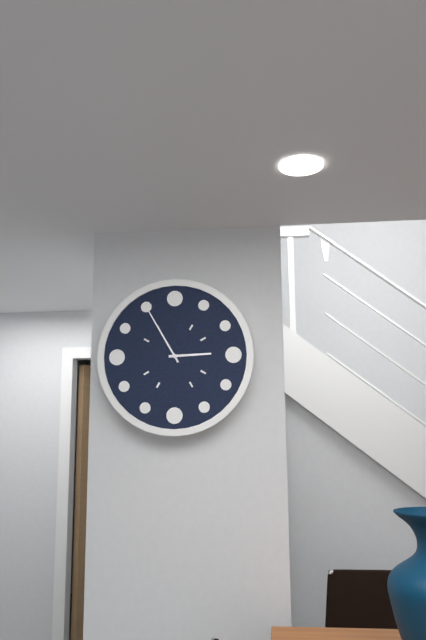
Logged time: 2 h 55 min
